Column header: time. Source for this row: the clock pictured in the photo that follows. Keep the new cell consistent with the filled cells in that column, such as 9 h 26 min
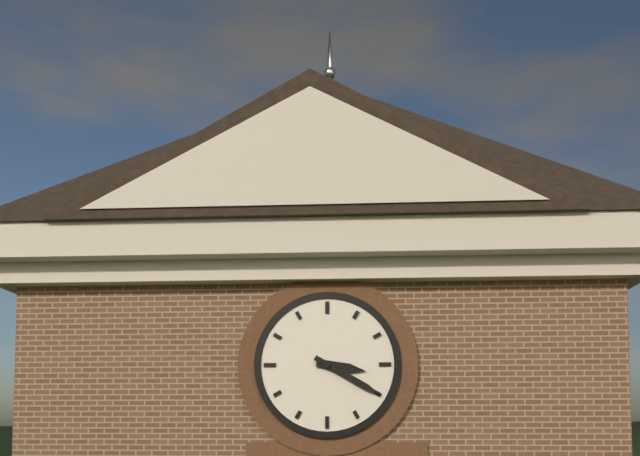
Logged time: 3 h 20 min
